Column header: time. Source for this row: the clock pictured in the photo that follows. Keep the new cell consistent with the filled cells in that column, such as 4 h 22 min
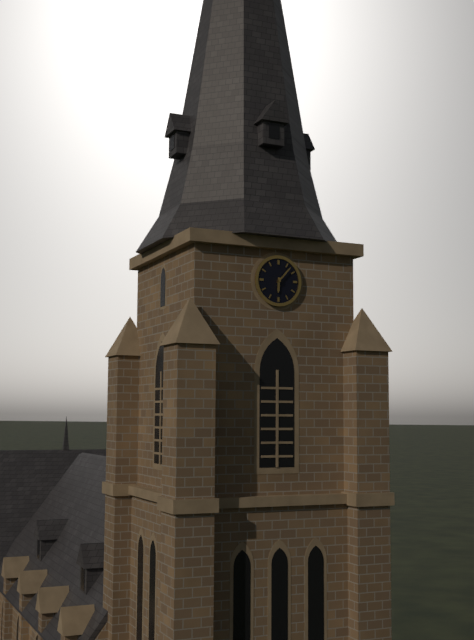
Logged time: 6 h 07 min
